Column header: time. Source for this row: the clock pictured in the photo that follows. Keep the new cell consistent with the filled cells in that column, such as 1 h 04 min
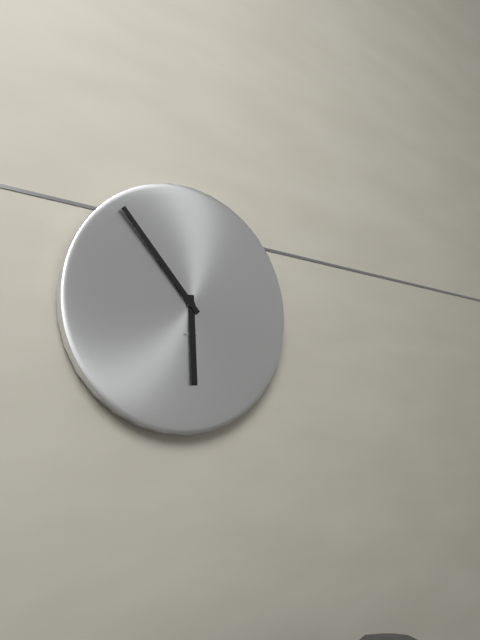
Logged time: 5 h 53 min
